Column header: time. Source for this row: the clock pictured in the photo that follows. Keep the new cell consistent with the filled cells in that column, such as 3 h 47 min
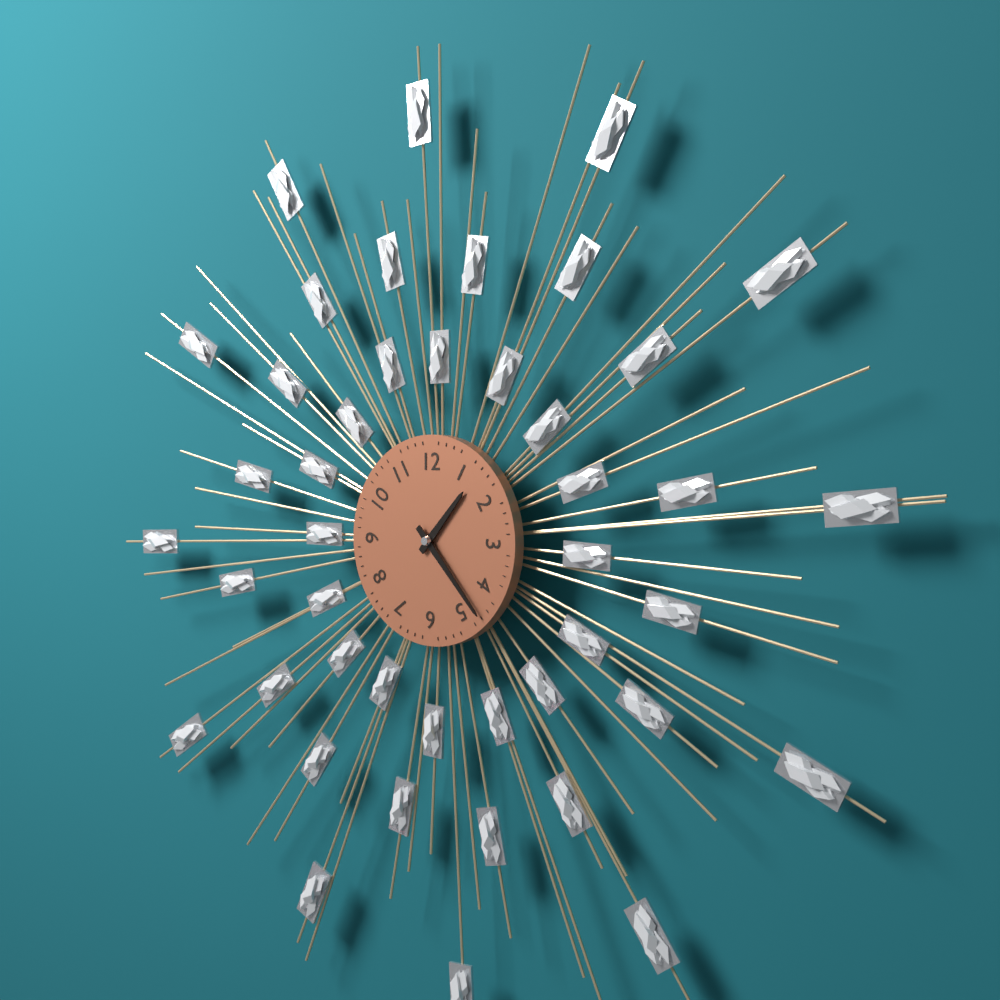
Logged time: 1 h 23 min
